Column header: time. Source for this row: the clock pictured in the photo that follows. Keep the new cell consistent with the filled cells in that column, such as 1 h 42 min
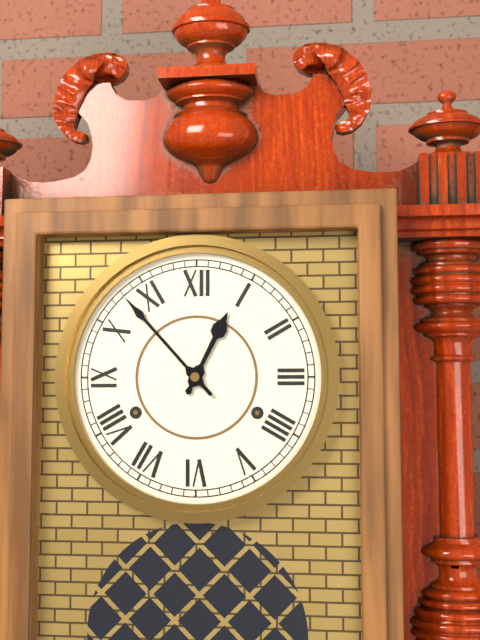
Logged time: 12 h 53 min
